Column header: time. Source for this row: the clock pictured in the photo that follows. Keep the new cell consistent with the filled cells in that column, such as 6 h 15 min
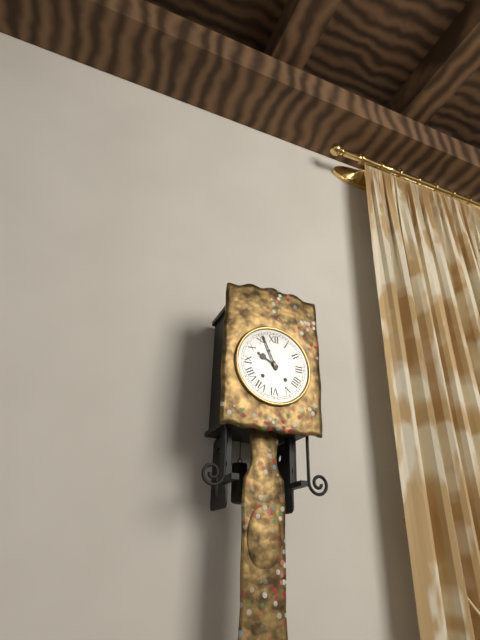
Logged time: 9 h 56 min
